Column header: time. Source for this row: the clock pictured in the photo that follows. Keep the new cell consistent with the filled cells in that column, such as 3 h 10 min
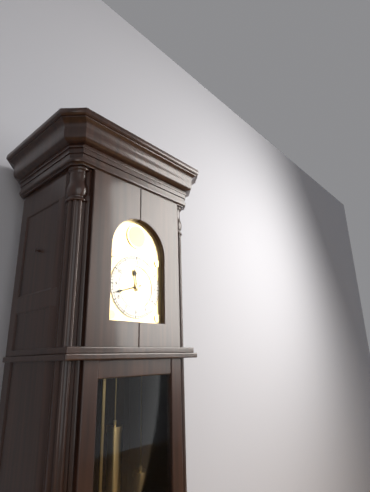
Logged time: 11 h 42 min
